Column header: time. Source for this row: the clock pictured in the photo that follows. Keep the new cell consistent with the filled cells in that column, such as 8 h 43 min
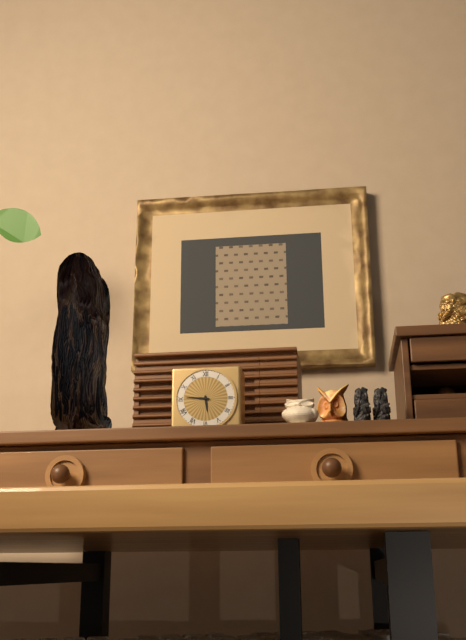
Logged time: 5 h 46 min
